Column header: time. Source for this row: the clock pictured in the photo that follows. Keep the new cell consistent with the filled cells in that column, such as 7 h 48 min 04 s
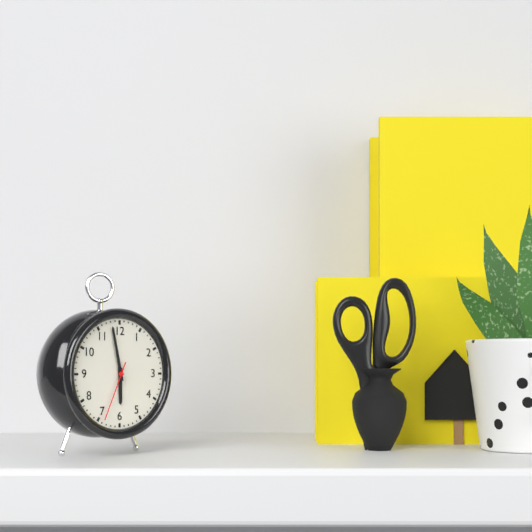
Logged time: 5 h 58 min 34 s
